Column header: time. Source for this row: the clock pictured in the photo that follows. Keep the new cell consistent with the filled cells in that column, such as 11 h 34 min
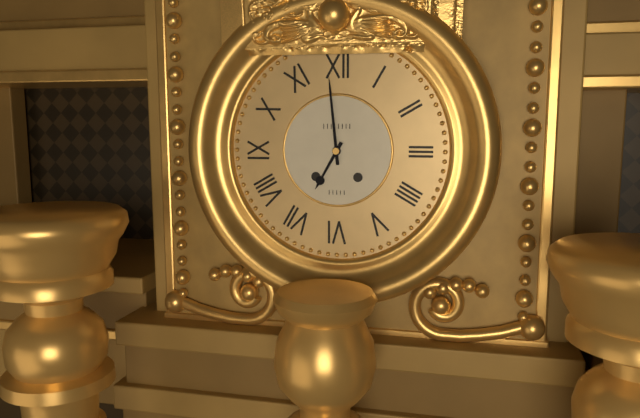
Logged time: 6 h 59 min
